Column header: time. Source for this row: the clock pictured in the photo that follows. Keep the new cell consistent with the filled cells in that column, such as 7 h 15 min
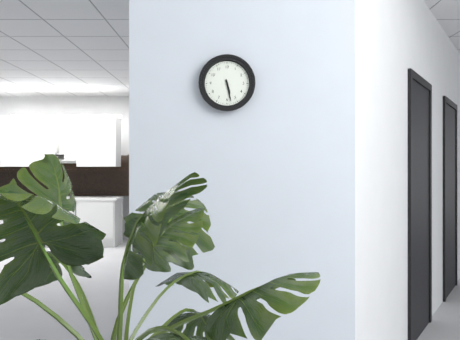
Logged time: 5 h 28 min
